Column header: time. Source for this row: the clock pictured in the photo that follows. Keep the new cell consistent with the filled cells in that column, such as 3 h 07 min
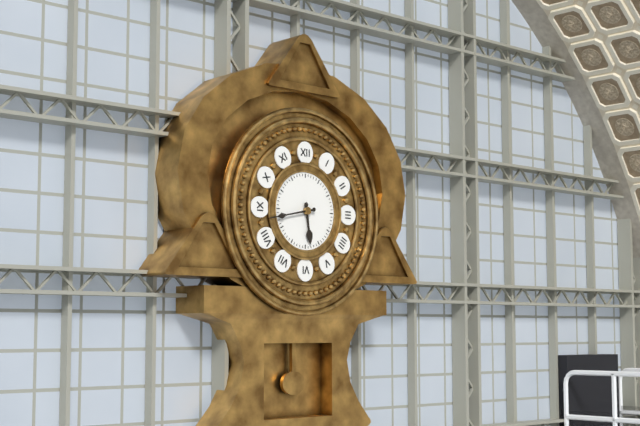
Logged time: 5 h 43 min
